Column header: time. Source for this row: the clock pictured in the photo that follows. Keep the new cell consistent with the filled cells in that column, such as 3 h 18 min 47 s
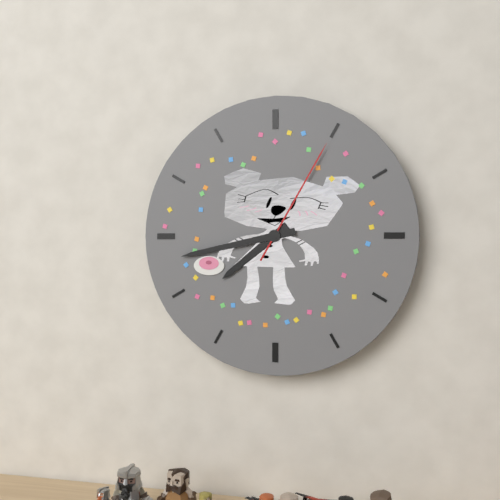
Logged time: 7 h 43 min 05 s
